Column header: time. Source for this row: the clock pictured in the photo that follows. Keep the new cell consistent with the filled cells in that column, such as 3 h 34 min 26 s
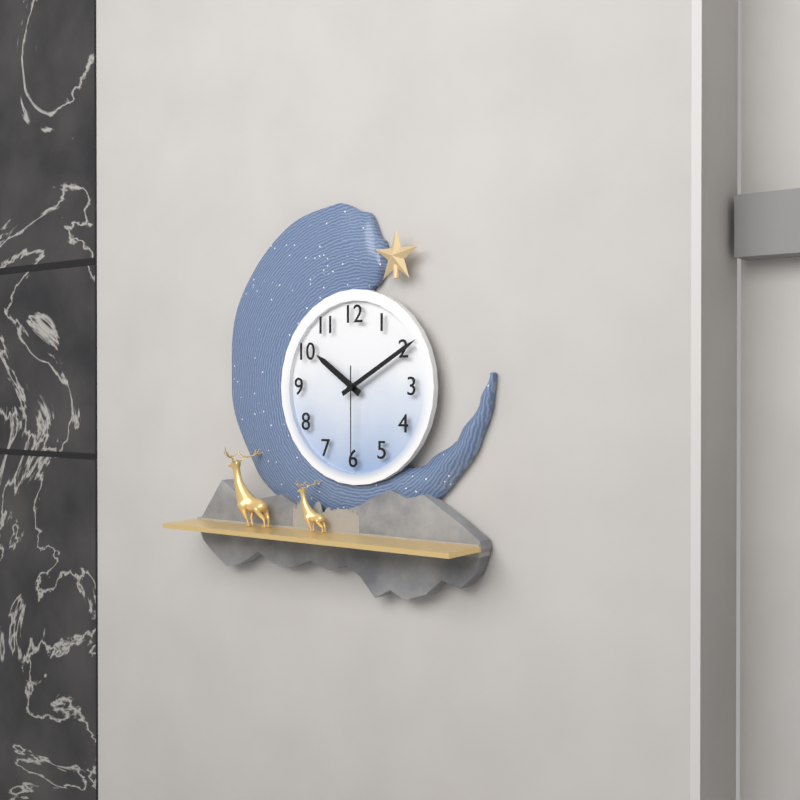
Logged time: 10 h 10 min 30 s
